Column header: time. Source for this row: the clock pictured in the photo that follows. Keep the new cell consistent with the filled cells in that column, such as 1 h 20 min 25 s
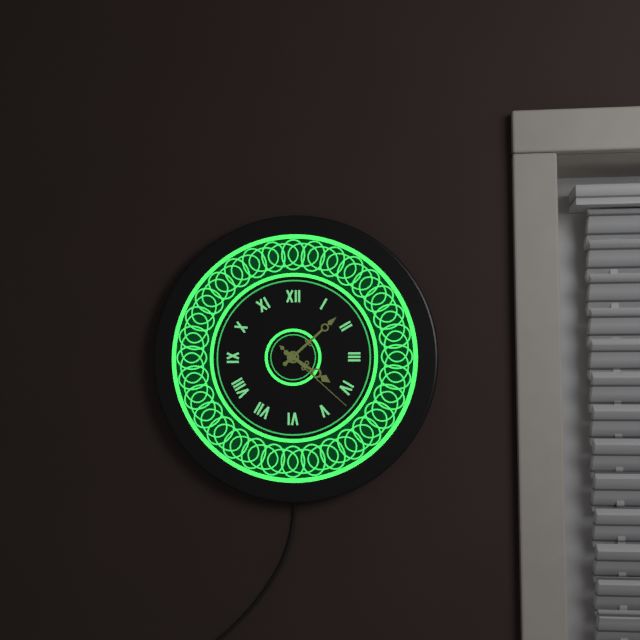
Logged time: 4 h 08 min 22 s
